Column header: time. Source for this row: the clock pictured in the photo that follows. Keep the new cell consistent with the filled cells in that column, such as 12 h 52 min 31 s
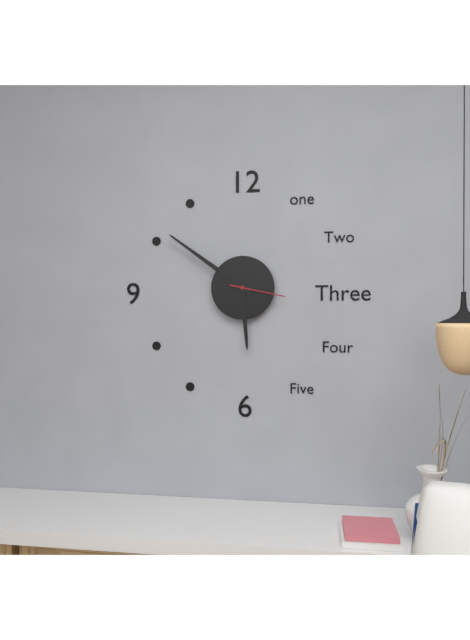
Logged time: 5 h 51 min 17 s
